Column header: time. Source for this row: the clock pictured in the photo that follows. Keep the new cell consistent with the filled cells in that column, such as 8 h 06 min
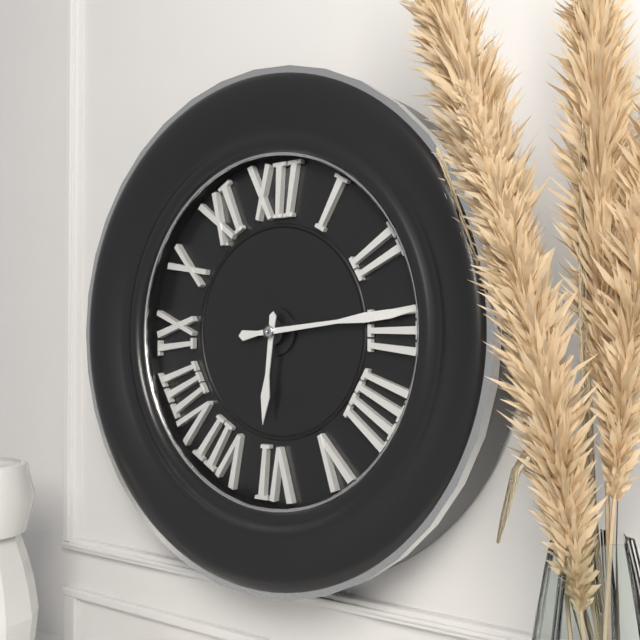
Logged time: 6 h 14 min
